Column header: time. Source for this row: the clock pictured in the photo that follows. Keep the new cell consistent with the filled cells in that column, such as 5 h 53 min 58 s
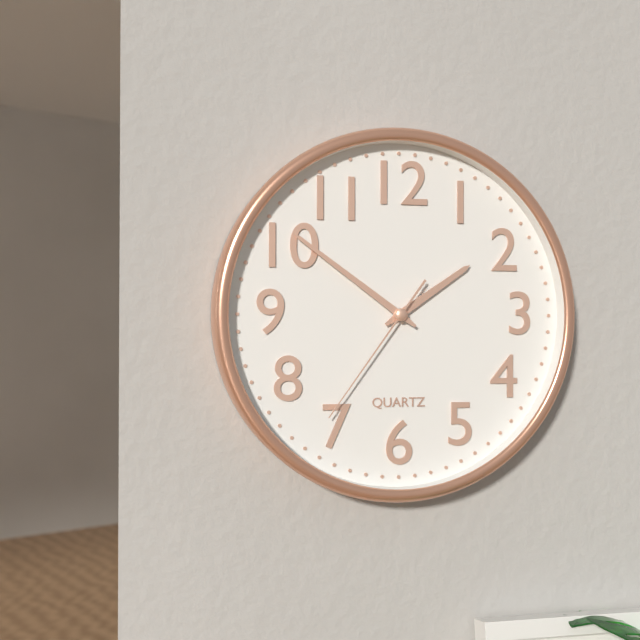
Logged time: 1 h 51 min 36 s
